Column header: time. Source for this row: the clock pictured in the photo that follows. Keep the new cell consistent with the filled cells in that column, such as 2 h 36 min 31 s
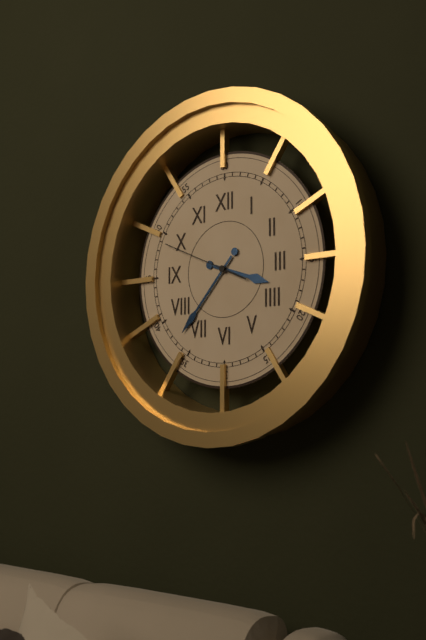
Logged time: 3 h 37 min 49 s
